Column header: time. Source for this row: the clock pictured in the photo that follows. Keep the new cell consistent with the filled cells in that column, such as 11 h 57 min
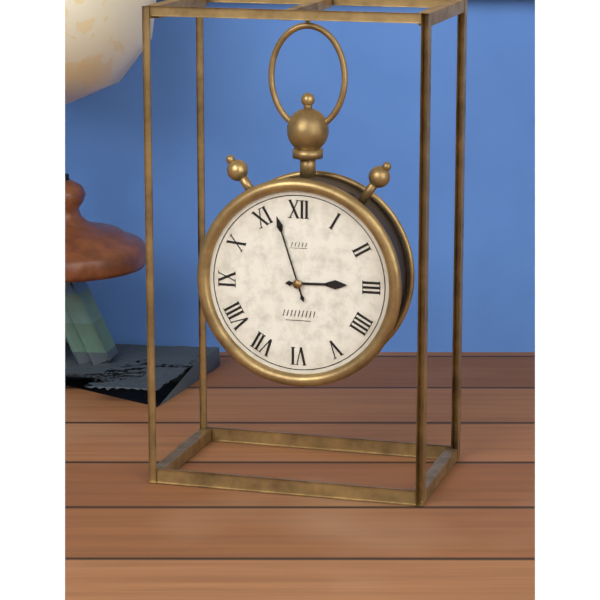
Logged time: 2 h 57 min
